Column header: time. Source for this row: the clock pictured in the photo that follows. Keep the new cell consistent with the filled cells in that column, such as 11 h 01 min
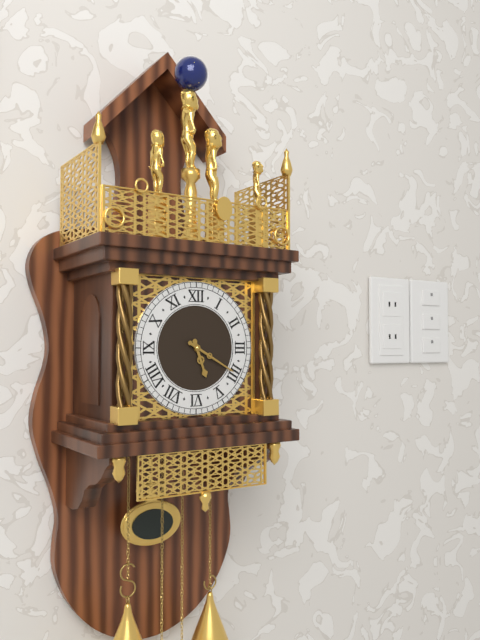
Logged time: 5 h 20 min
